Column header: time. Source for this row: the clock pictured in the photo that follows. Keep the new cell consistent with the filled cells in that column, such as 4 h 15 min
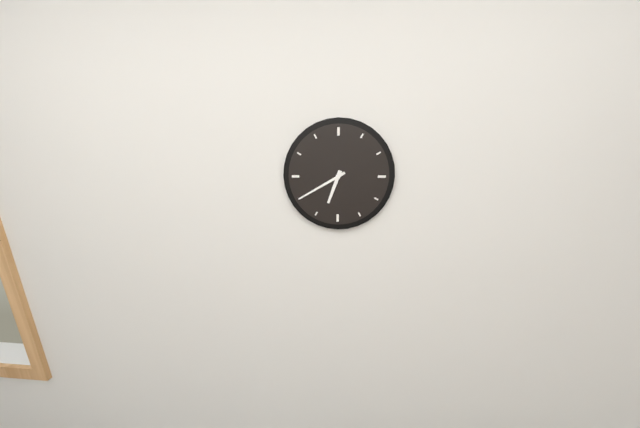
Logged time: 6 h 40 min
